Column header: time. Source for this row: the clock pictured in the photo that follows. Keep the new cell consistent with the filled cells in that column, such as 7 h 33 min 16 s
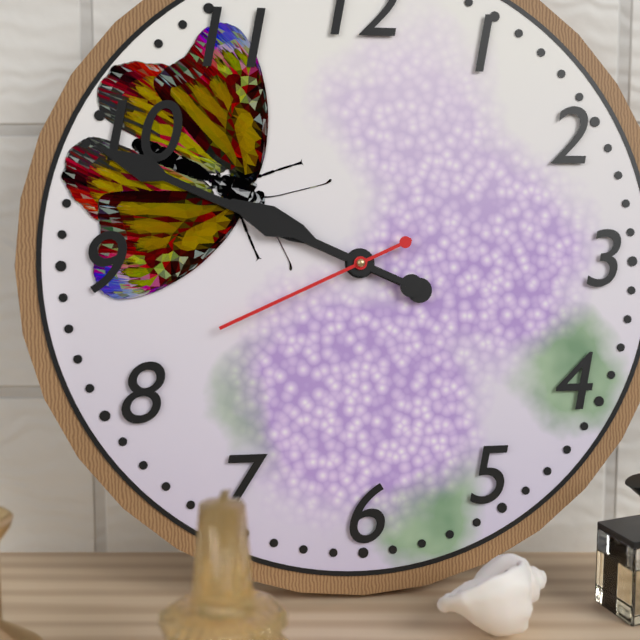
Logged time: 9 h 49 min 41 s
